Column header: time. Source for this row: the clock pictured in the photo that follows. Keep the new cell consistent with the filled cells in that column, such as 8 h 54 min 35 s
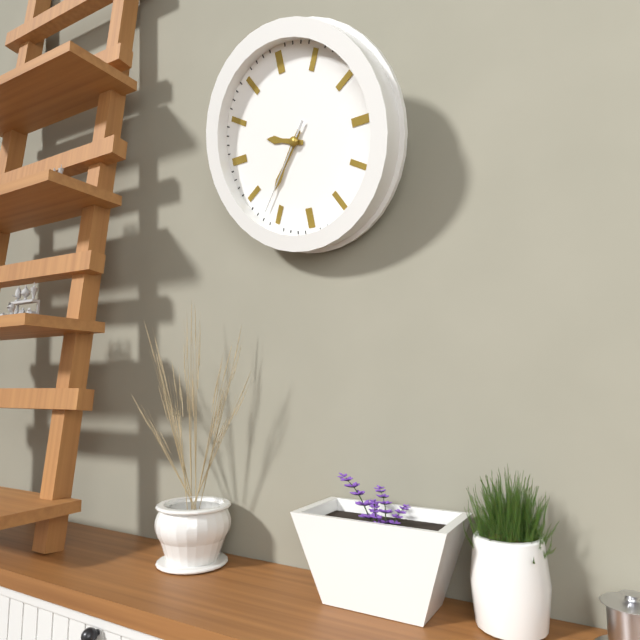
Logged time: 9 h 37 min 37 s
